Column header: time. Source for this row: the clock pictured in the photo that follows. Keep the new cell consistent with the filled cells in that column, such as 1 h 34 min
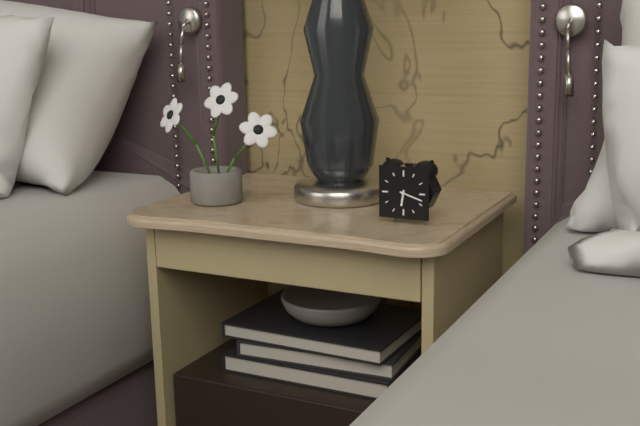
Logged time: 6 h 18 min
